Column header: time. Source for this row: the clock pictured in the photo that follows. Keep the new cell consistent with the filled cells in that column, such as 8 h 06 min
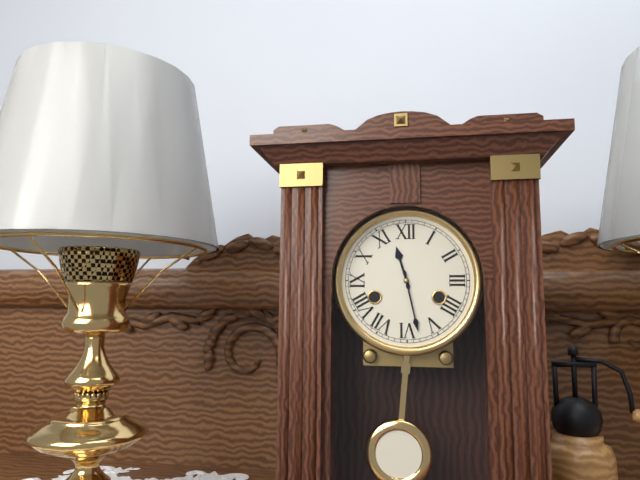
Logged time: 11 h 28 min
